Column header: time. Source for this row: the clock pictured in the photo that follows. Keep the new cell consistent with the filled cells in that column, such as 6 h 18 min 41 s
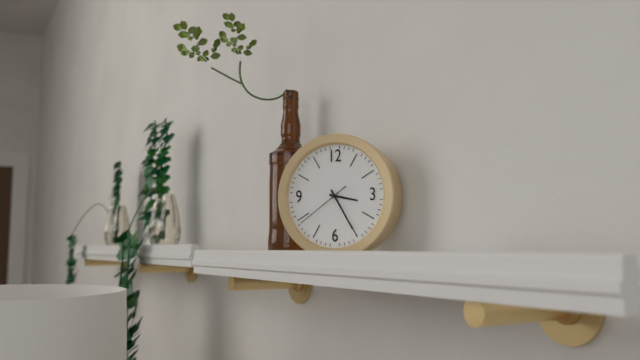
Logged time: 3 h 25 min 39 s
